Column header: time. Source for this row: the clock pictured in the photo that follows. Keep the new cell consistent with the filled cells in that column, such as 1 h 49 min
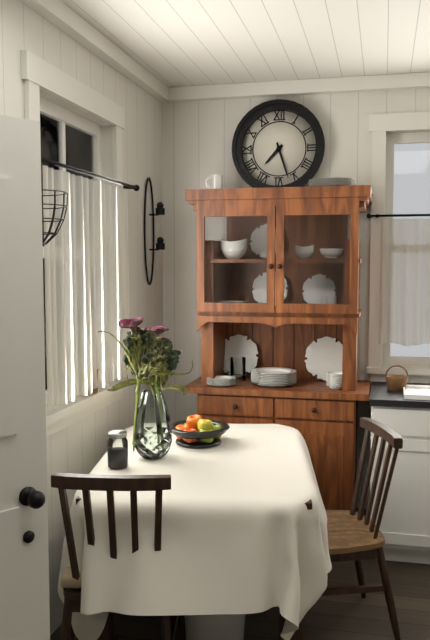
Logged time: 7 h 27 min
